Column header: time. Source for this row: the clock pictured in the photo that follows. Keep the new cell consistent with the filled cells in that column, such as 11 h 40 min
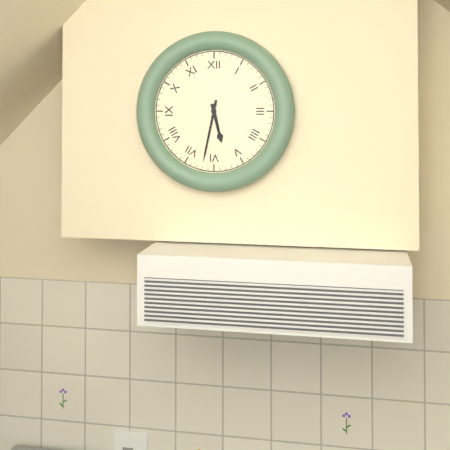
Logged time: 5 h 32 min
